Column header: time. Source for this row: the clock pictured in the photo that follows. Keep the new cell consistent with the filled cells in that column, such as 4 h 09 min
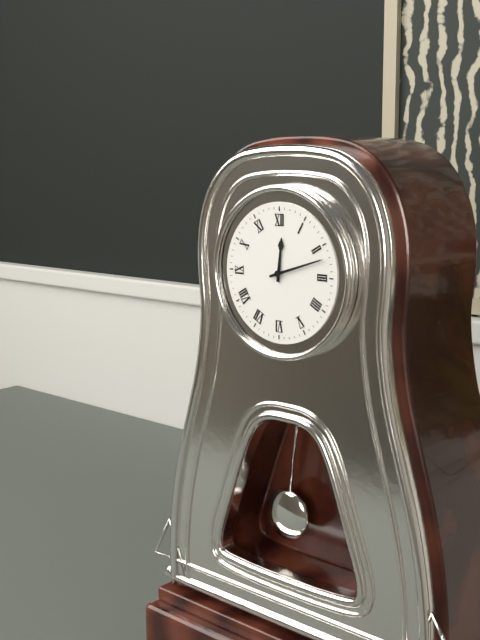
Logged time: 12 h 12 min
